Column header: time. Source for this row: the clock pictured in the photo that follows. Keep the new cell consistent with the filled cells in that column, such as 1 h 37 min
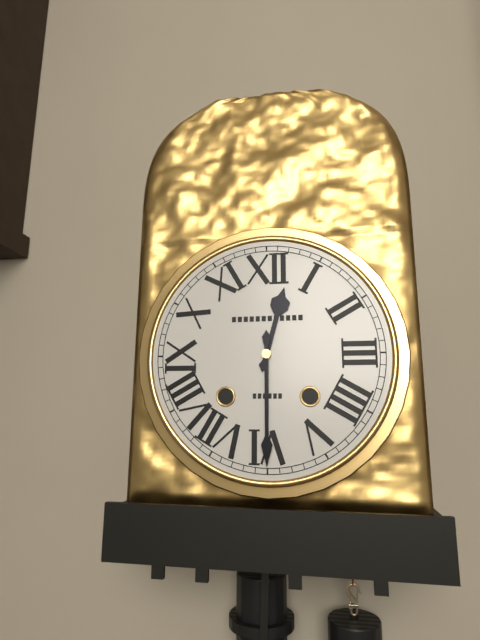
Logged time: 12 h 30 min
